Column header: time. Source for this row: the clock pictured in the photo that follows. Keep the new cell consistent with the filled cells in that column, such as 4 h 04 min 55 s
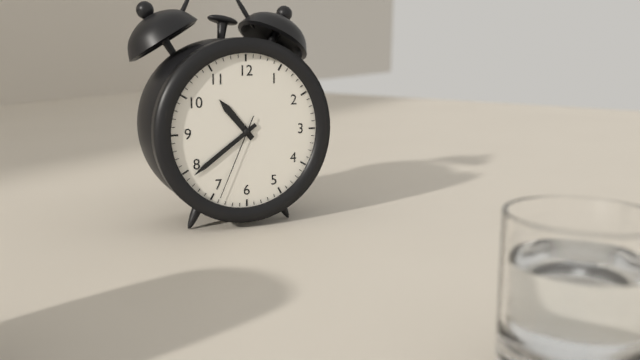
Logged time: 10 h 39 min 34 s
